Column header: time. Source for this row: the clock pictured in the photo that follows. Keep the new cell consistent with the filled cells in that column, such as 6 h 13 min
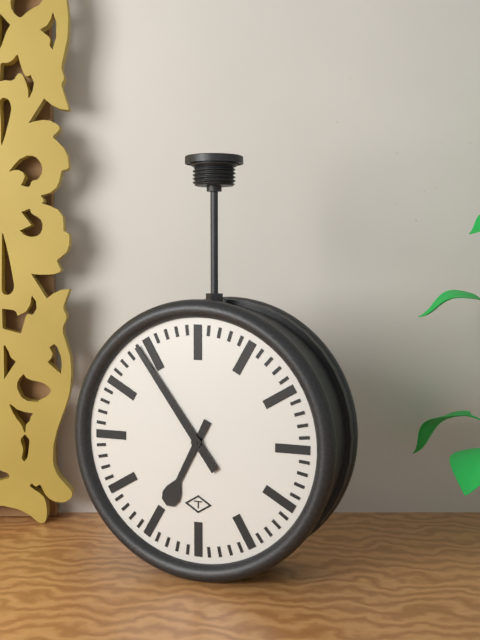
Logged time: 6 h 54 min
